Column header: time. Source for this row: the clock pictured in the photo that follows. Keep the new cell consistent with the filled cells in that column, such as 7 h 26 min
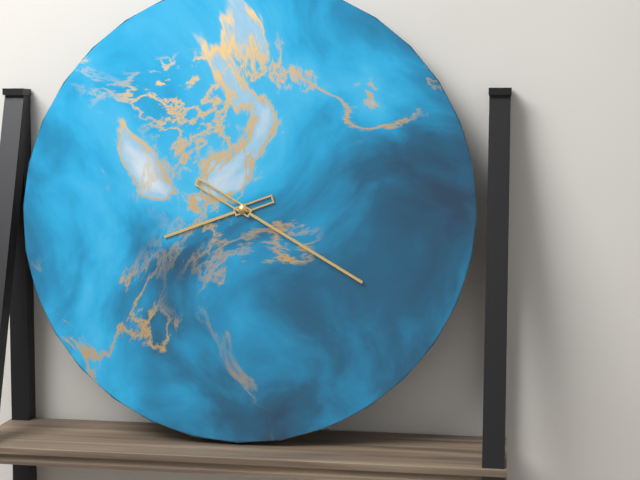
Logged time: 8 h 20 min
